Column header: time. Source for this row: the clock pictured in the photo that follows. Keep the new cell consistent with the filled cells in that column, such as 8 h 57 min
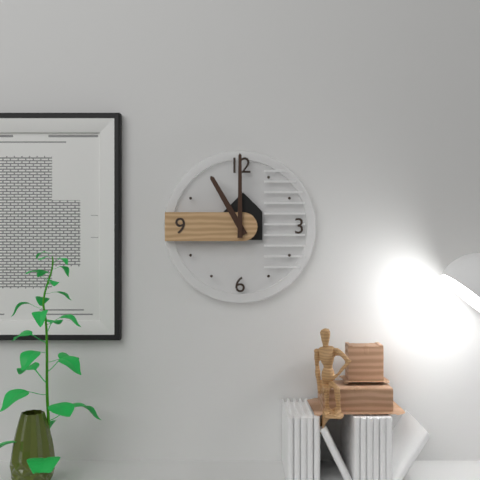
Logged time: 11 h 00 min
